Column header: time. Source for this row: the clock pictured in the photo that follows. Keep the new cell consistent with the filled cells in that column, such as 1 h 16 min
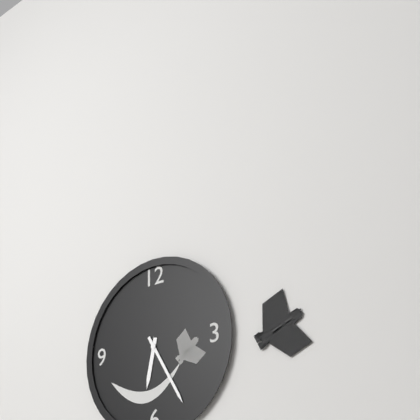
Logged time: 6 h 25 min
